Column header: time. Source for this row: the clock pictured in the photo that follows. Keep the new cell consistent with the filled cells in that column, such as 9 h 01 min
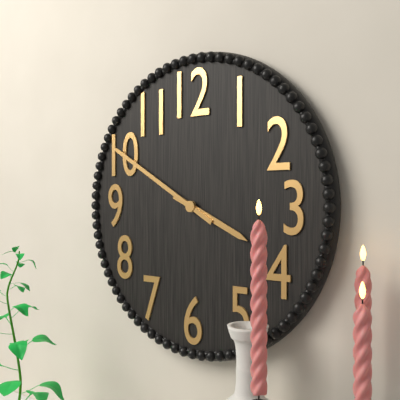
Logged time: 3 h 50 min
